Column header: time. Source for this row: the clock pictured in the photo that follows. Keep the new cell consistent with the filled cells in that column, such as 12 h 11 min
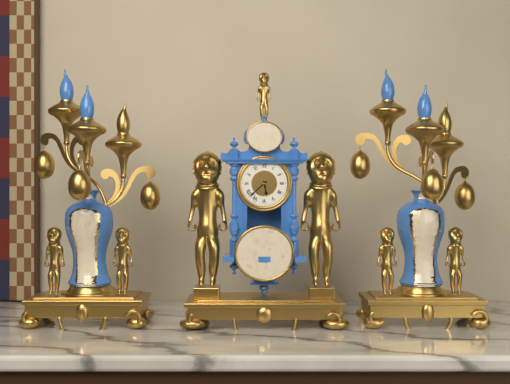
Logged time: 5 h 38 min
